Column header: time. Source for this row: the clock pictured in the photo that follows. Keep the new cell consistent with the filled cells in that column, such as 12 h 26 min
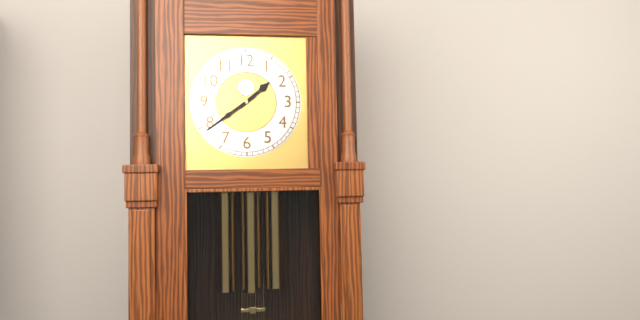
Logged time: 1 h 39 min
